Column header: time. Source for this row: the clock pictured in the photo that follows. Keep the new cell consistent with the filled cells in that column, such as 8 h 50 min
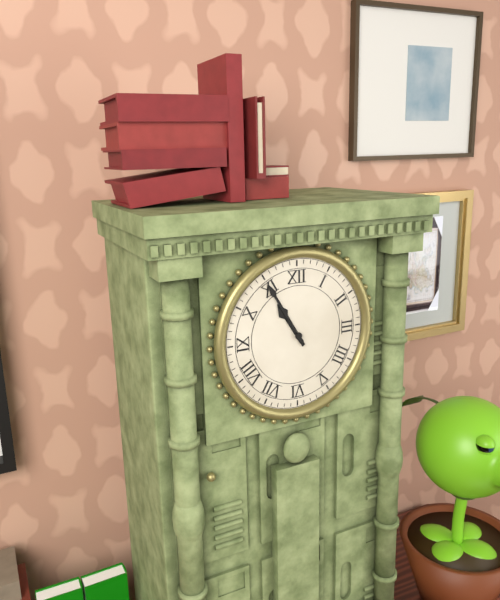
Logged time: 10 h 55 min
